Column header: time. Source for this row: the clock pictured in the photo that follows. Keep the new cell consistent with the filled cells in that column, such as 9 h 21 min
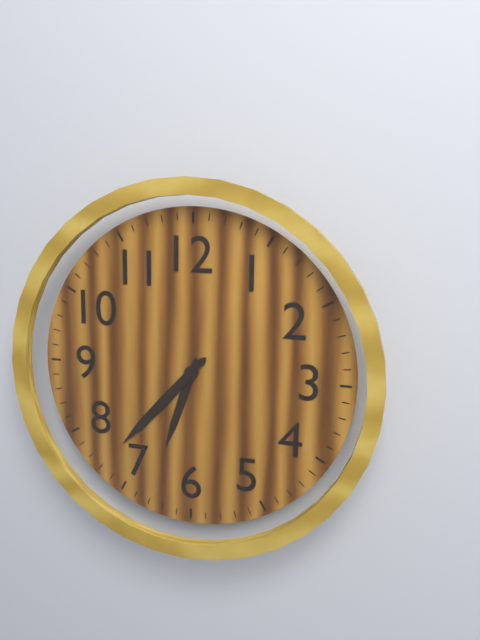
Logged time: 6 h 37 min
